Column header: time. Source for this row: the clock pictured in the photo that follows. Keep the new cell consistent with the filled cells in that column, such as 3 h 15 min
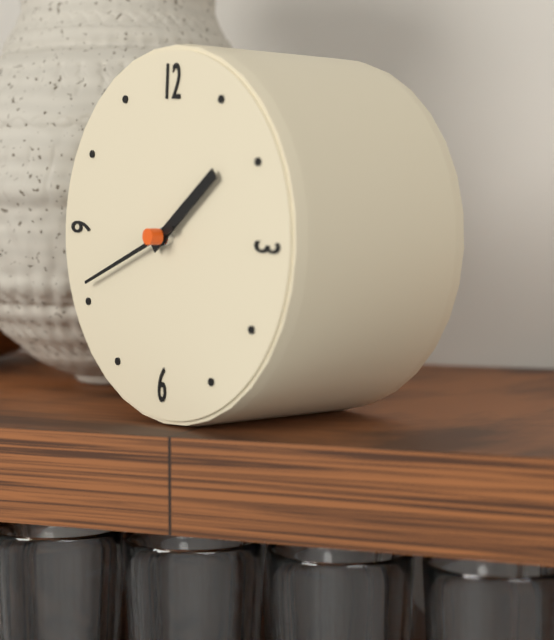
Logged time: 1 h 41 min
